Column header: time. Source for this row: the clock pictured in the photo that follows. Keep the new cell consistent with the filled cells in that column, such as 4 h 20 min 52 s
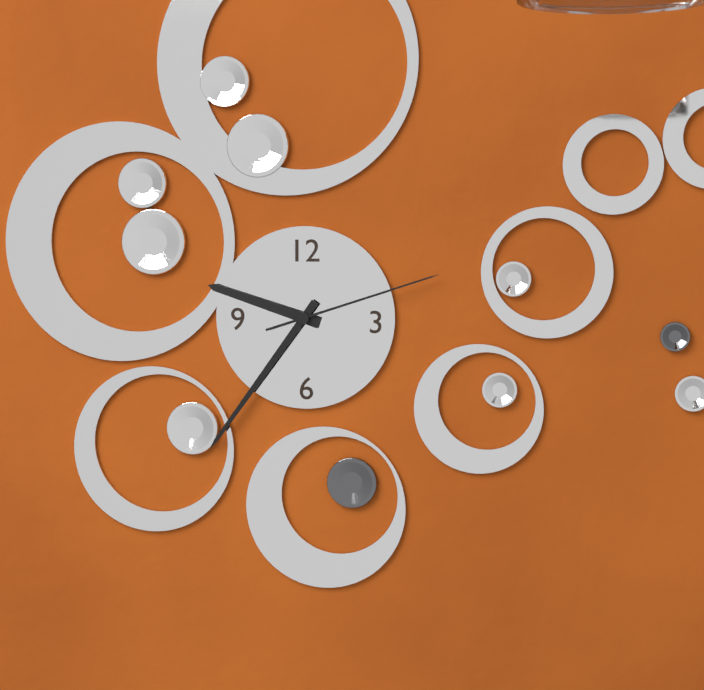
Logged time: 9 h 36 min 12 s
